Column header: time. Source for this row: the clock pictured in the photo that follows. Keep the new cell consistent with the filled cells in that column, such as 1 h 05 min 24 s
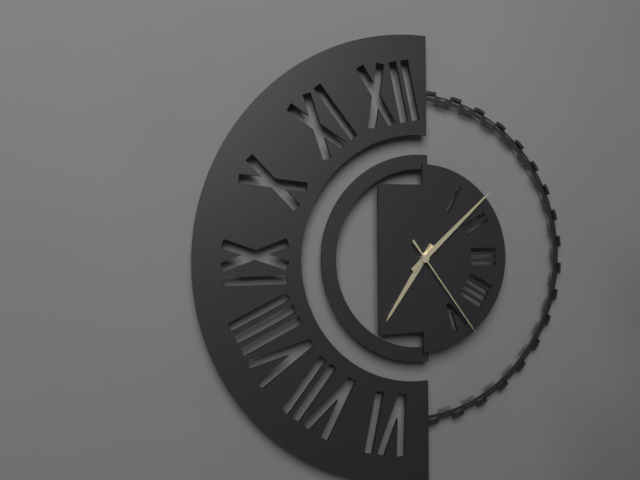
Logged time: 7 h 08 min 24 s
